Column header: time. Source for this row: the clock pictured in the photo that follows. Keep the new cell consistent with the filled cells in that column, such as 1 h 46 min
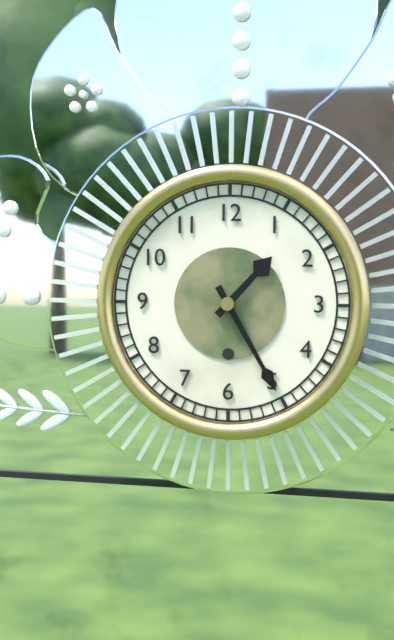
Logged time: 1 h 25 min
